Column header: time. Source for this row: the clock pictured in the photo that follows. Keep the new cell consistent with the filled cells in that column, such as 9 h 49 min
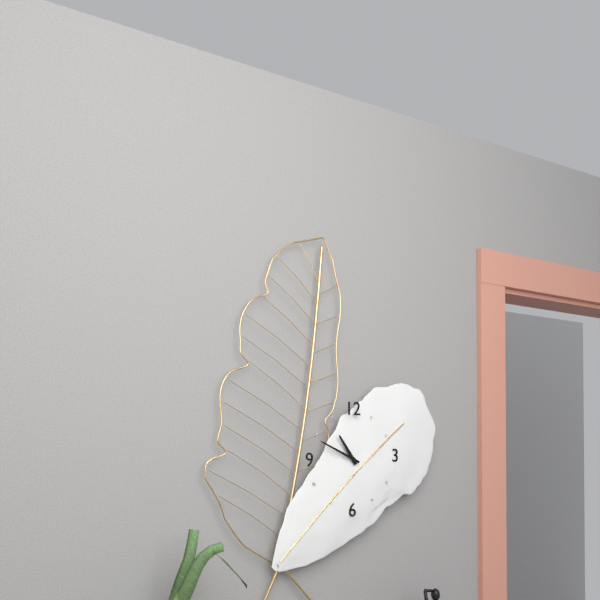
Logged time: 10 h 49 min
